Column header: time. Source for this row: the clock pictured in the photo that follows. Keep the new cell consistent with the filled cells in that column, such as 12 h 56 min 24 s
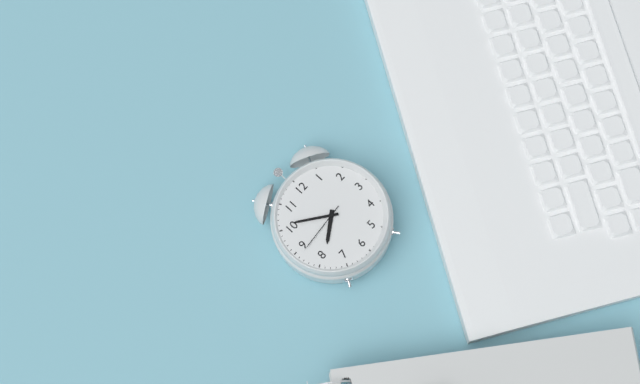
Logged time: 7 h 51 min 44 s
